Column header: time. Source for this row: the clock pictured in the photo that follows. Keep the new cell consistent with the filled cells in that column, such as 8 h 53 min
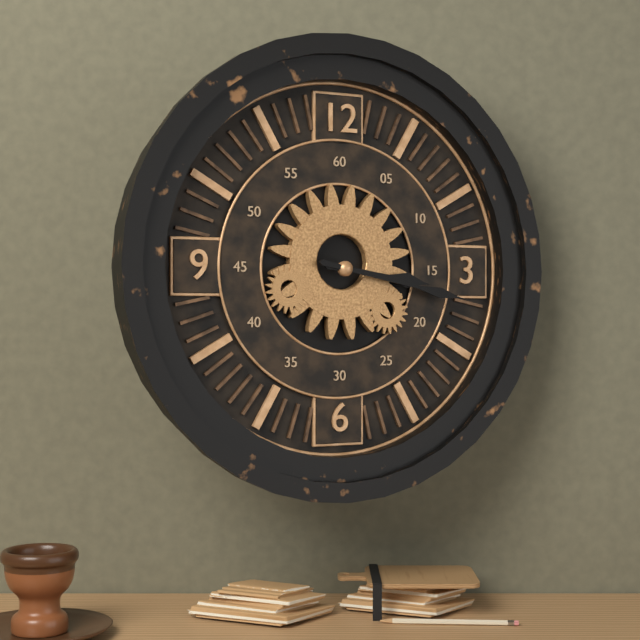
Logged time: 3 h 17 min
